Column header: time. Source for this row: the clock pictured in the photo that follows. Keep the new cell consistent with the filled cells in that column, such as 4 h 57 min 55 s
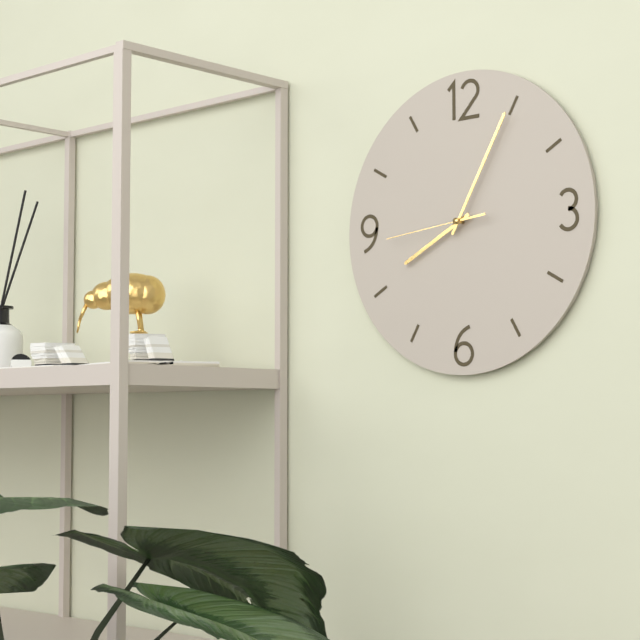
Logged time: 8 h 05 min 44 s
